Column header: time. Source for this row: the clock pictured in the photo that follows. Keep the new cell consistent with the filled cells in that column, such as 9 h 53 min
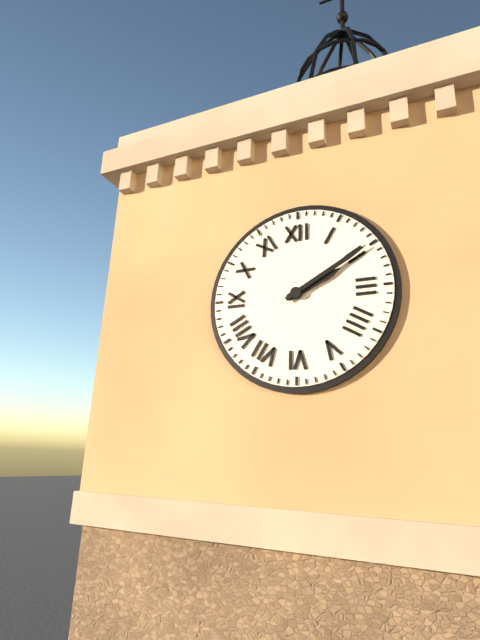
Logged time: 2 h 10 min
